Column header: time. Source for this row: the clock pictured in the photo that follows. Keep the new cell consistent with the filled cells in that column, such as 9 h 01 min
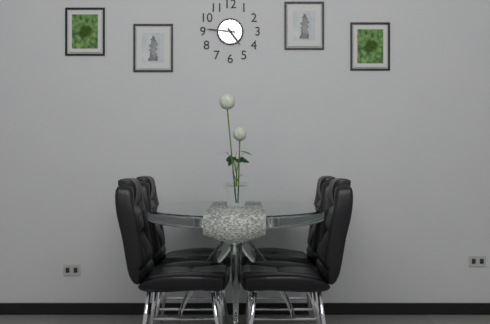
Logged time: 4 h 46 min
